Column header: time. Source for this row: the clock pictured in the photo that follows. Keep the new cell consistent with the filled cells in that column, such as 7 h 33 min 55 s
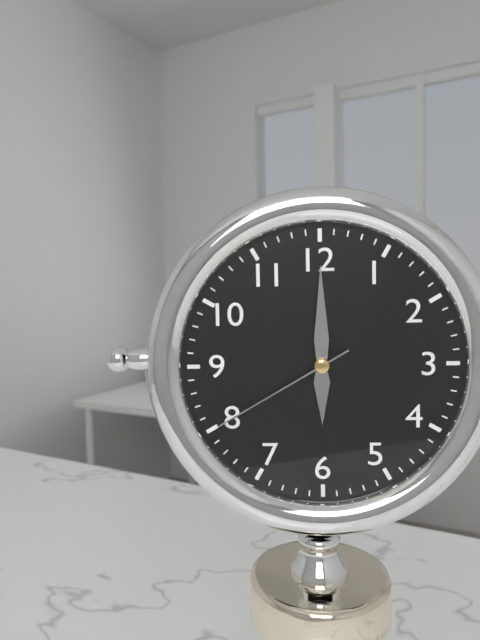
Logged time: 6 h 00 min 40 s
